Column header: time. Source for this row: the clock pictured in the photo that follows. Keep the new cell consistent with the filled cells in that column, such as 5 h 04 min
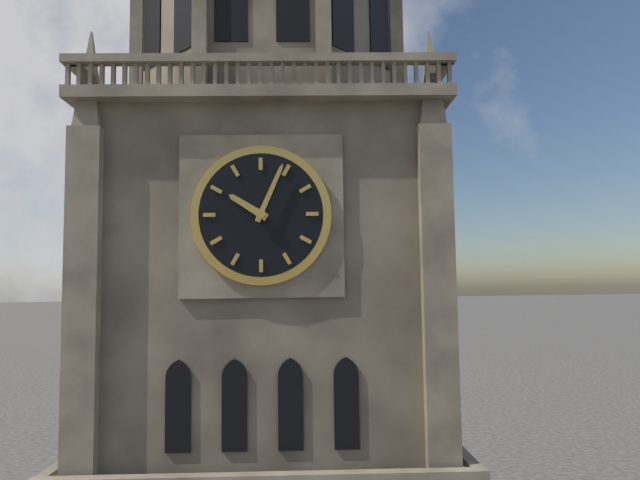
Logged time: 10 h 04 min
